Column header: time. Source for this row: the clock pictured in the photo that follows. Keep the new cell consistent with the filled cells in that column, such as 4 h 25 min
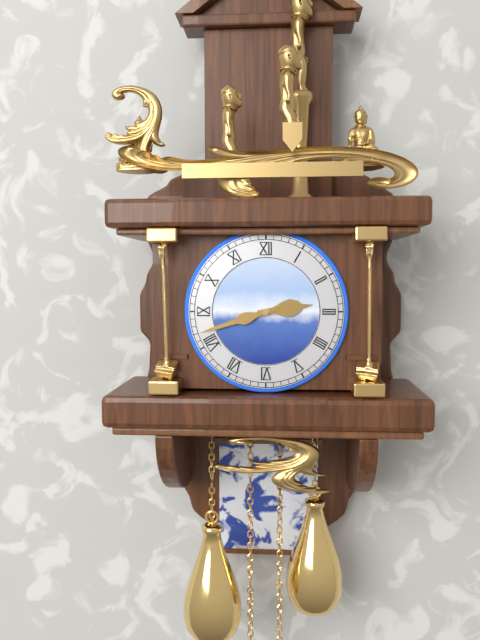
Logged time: 2 h 42 min
